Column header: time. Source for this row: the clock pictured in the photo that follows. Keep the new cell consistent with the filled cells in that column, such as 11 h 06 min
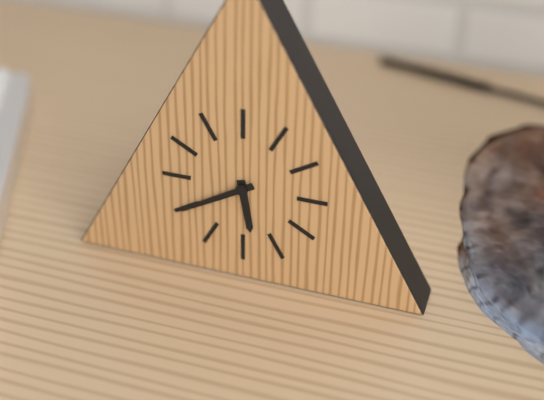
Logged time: 5 h 40 min
